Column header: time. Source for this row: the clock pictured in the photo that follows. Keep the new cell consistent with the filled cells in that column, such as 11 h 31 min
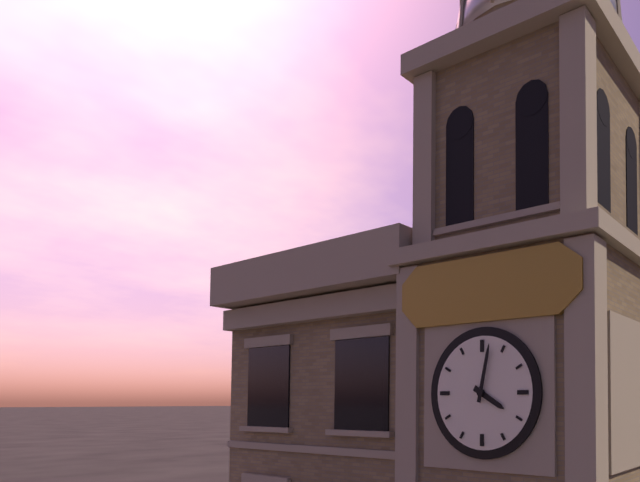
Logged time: 4 h 02 min
